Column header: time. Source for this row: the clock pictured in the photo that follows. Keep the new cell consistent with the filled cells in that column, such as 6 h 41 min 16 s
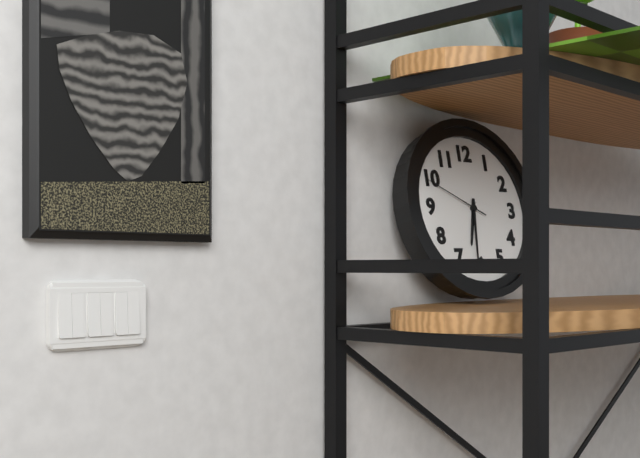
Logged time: 6 h 31 min 49 s
